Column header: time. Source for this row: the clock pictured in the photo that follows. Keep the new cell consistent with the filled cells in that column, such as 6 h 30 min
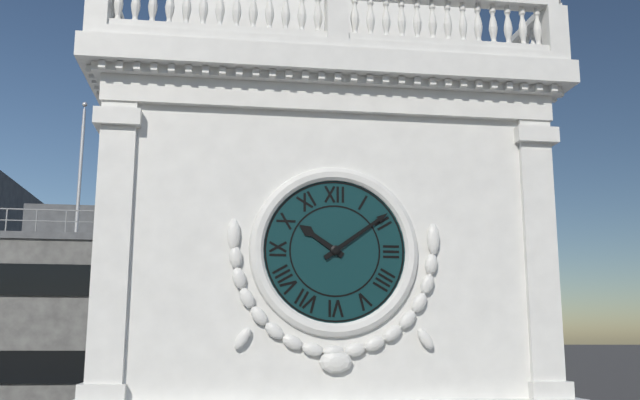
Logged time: 10 h 09 min
